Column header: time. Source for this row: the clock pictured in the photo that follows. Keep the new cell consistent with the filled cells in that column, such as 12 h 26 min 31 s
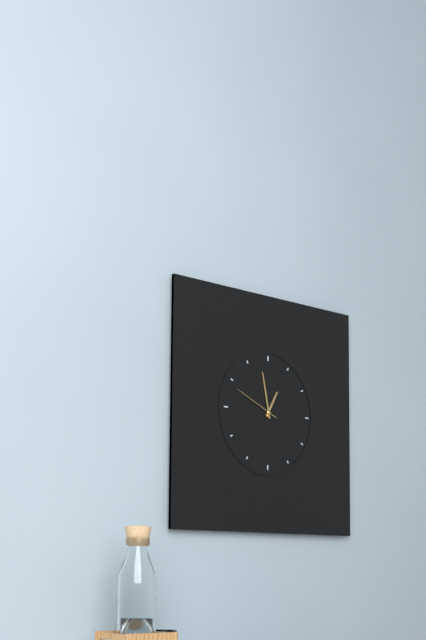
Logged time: 12 h 58 min 49 s
